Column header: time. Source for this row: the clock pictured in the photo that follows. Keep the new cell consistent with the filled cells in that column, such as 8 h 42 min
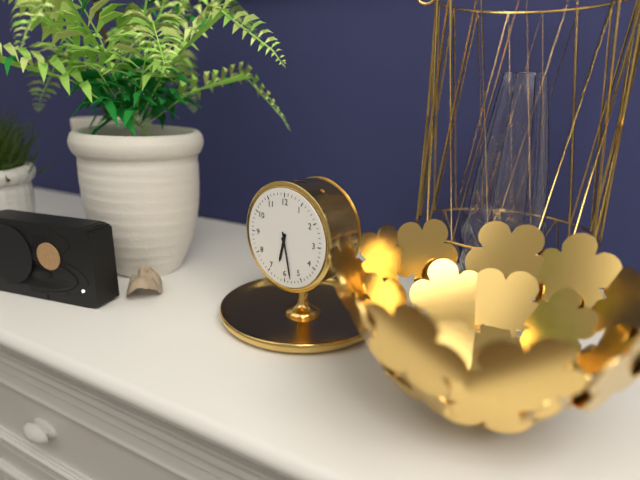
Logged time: 6 h 28 min
